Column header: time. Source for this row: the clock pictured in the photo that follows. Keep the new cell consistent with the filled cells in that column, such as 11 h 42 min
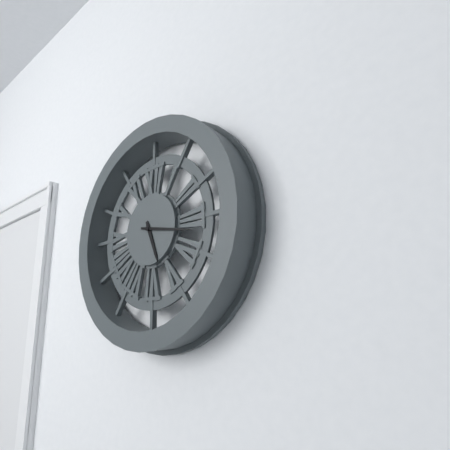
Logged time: 5 h 17 min
